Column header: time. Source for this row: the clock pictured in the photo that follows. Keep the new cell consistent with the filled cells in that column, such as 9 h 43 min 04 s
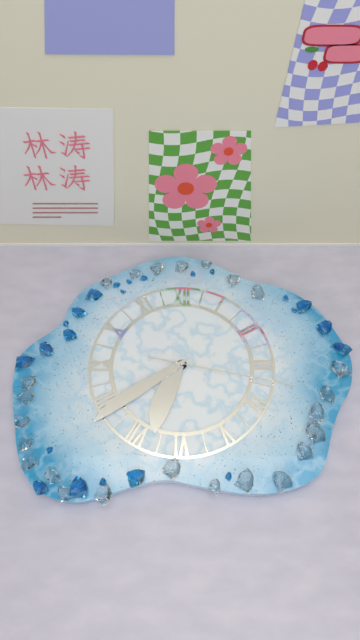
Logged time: 6 h 39 min 17 s
